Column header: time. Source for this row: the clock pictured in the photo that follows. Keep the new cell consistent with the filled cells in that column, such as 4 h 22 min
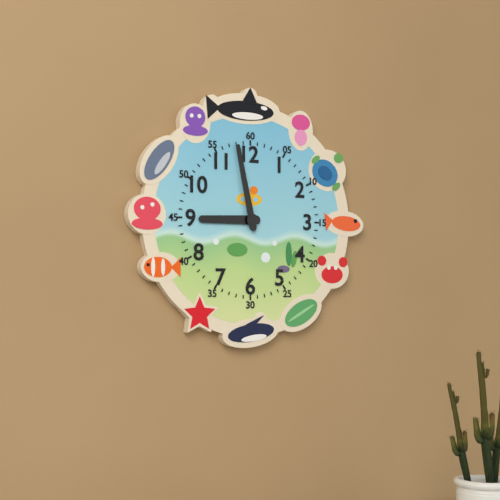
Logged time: 8 h 58 min
